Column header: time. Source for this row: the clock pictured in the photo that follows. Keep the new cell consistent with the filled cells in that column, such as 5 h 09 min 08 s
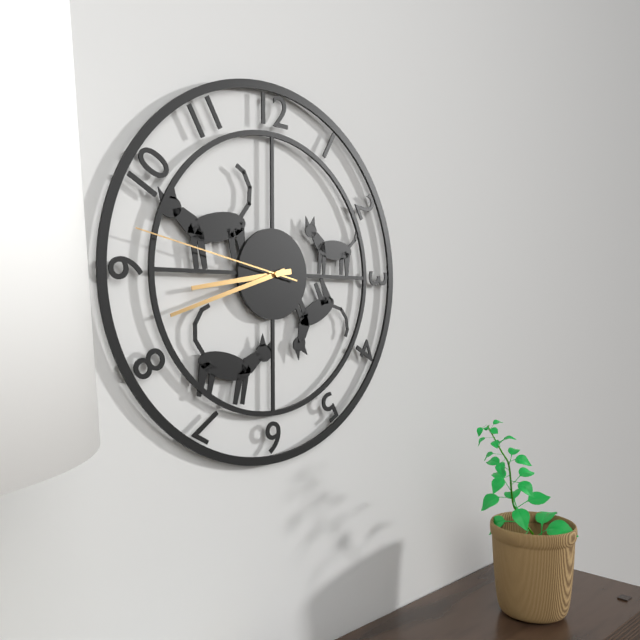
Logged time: 8 h 42 min 47 s
